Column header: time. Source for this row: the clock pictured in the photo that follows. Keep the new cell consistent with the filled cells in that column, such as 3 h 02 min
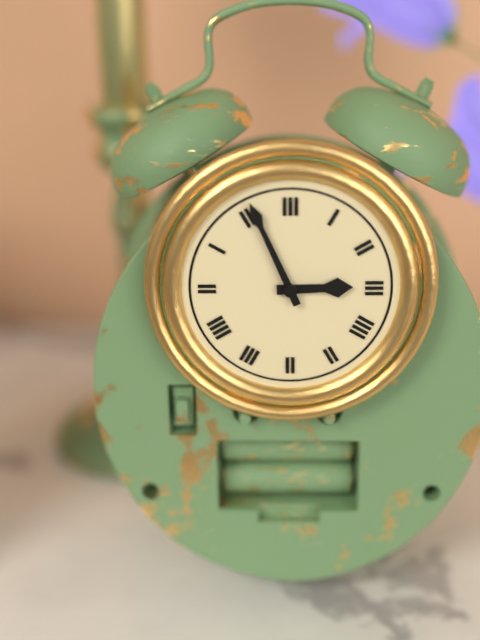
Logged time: 2 h 56 min
